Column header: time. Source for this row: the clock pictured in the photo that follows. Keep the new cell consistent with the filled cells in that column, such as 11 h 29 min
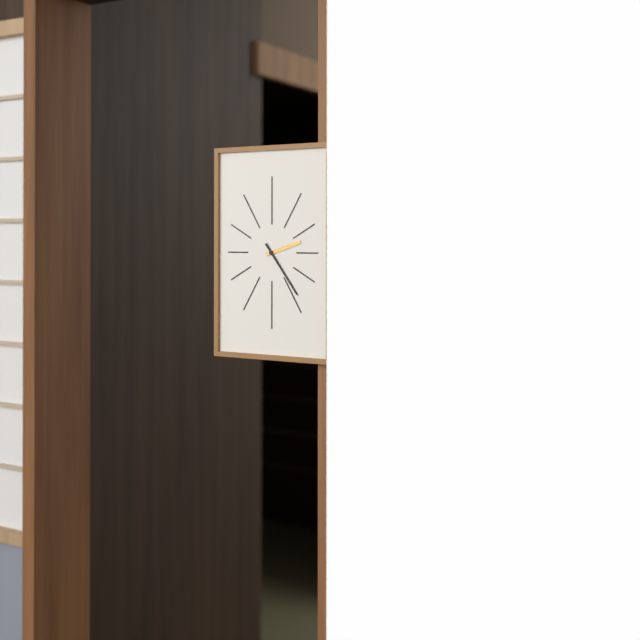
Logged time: 2 h 24 min
